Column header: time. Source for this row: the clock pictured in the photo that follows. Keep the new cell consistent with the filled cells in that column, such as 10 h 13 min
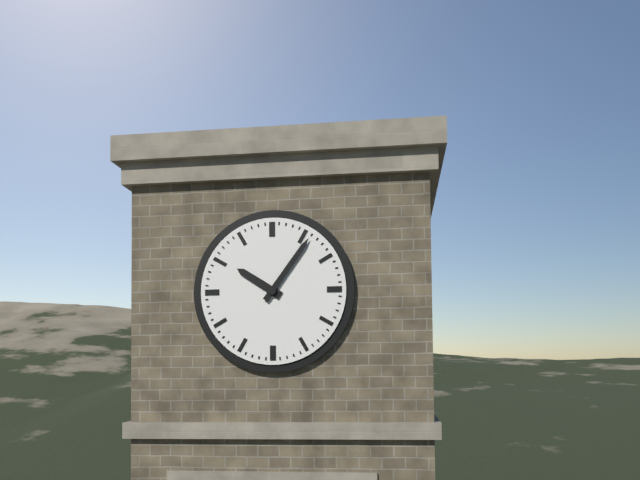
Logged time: 10 h 06 min
